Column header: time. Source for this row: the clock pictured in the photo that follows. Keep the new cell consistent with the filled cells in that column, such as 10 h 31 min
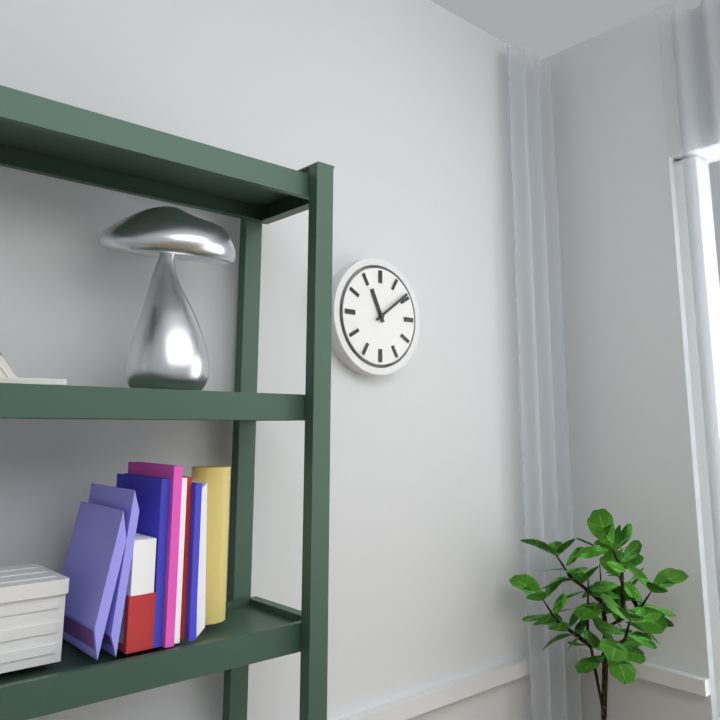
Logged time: 11 h 09 min
